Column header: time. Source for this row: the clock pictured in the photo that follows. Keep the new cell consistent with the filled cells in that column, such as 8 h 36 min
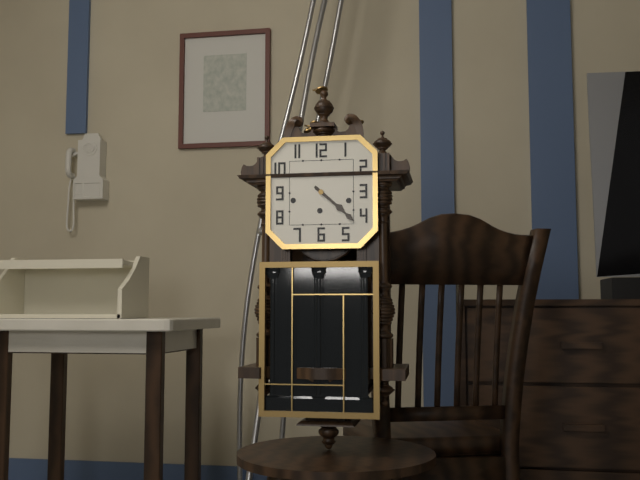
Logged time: 4 h 22 min
